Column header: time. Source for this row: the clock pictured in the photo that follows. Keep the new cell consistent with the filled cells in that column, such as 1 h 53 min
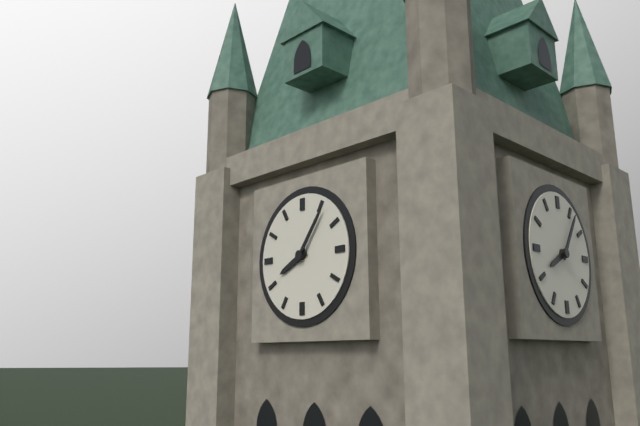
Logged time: 8 h 06 min
